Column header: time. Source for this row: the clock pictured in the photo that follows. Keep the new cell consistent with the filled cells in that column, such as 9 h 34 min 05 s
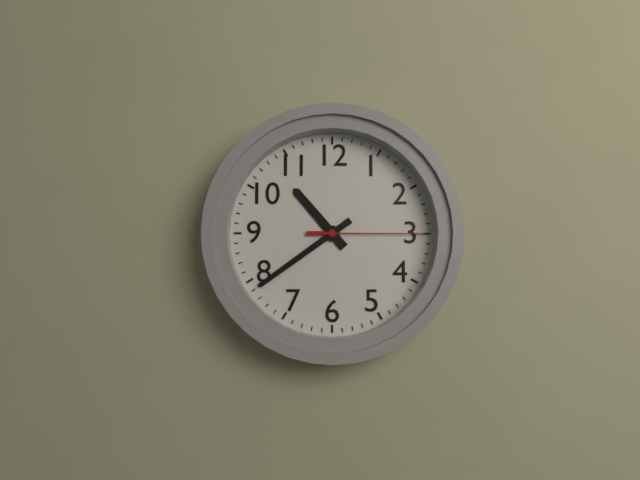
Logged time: 10 h 39 min 15 s
